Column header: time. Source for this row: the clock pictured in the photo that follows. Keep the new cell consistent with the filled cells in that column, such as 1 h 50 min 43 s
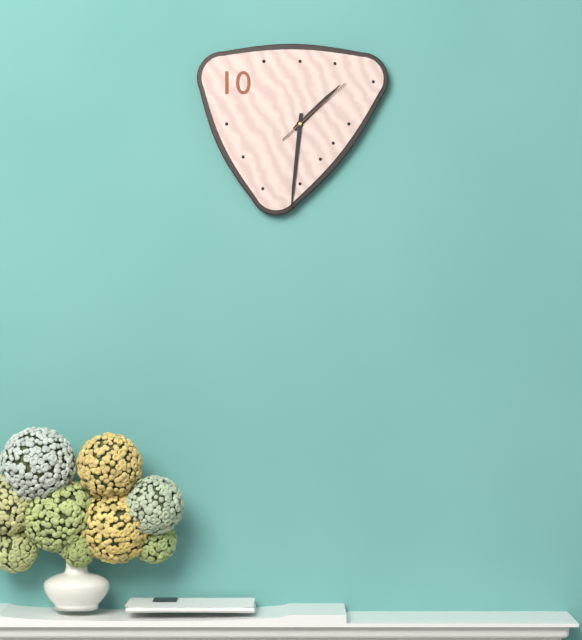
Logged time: 1 h 31 min 08 s
